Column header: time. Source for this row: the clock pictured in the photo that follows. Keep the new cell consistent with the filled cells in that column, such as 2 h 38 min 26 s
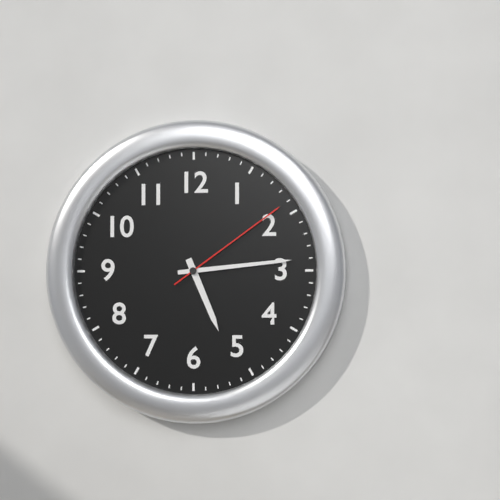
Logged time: 5 h 14 min 09 s
